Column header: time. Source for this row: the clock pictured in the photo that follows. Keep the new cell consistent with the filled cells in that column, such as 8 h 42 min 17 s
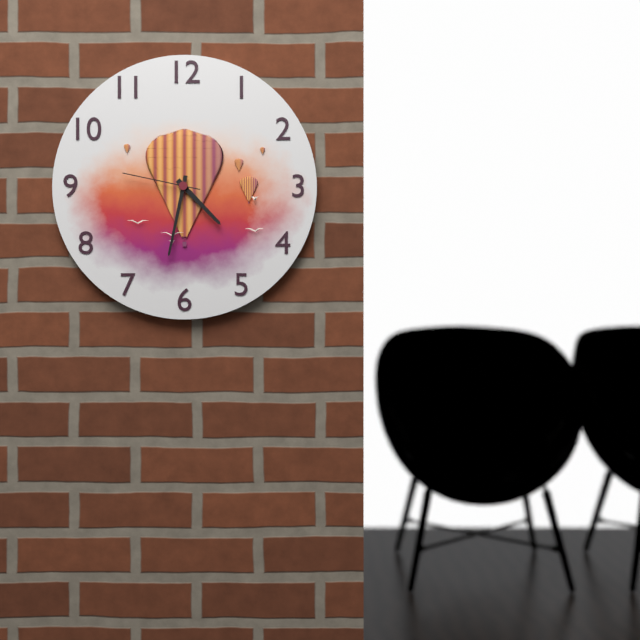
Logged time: 4 h 32 min 47 s
